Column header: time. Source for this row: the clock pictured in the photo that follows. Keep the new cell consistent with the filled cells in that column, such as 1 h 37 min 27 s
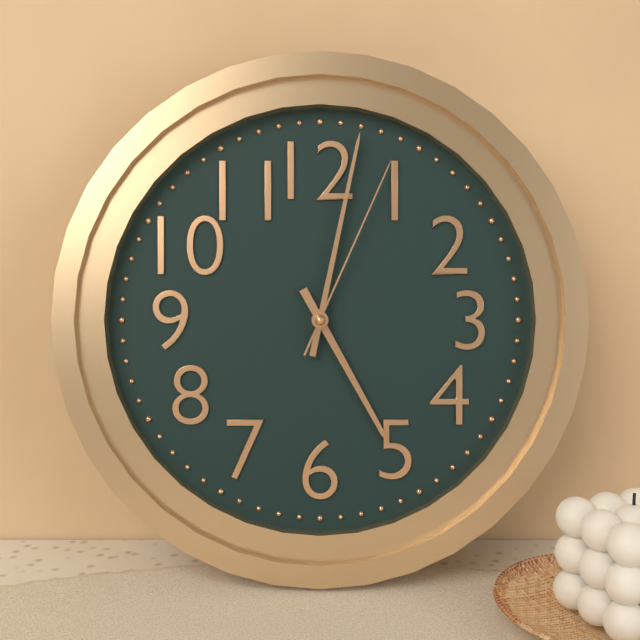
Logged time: 5 h 02 min 04 s
